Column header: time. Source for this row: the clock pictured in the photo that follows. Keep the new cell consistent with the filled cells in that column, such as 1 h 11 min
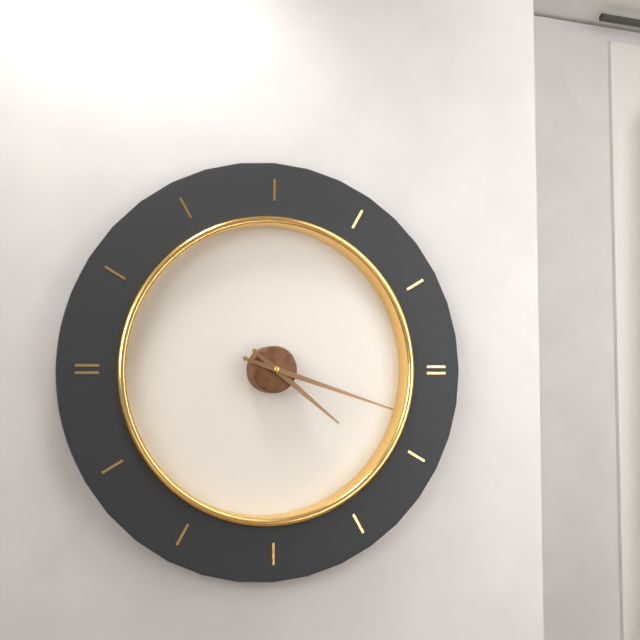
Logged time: 4 h 18 min
